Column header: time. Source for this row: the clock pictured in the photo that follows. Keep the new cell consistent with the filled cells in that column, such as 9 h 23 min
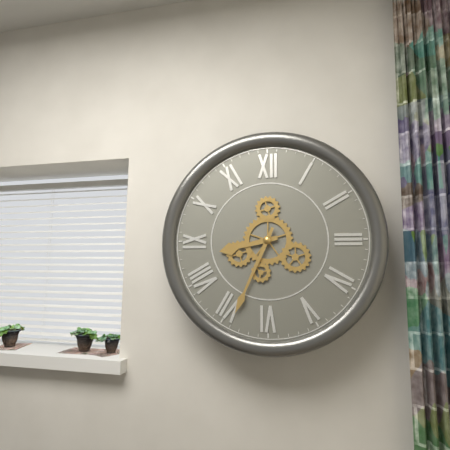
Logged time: 8 h 34 min
